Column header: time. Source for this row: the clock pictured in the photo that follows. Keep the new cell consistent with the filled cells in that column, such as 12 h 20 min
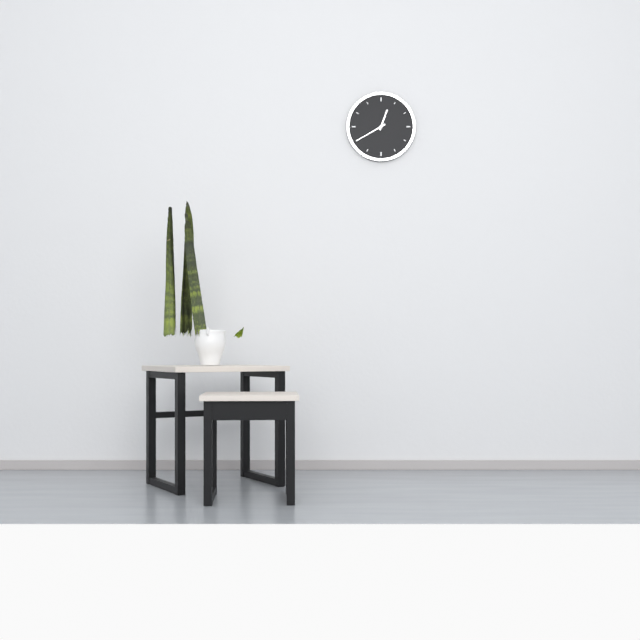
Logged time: 12 h 40 min
